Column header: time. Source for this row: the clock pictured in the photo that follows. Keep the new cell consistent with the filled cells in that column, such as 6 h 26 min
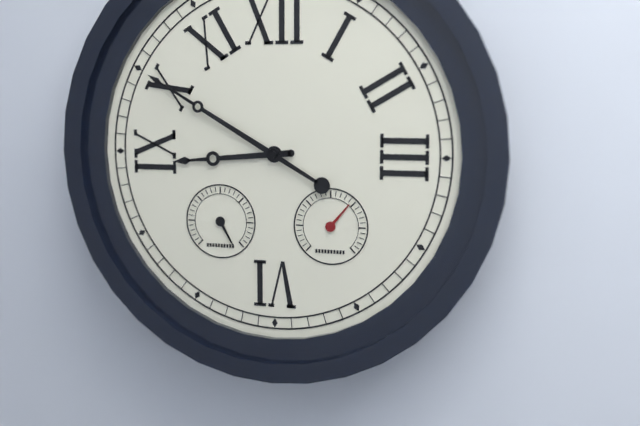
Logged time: 8 h 50 min
